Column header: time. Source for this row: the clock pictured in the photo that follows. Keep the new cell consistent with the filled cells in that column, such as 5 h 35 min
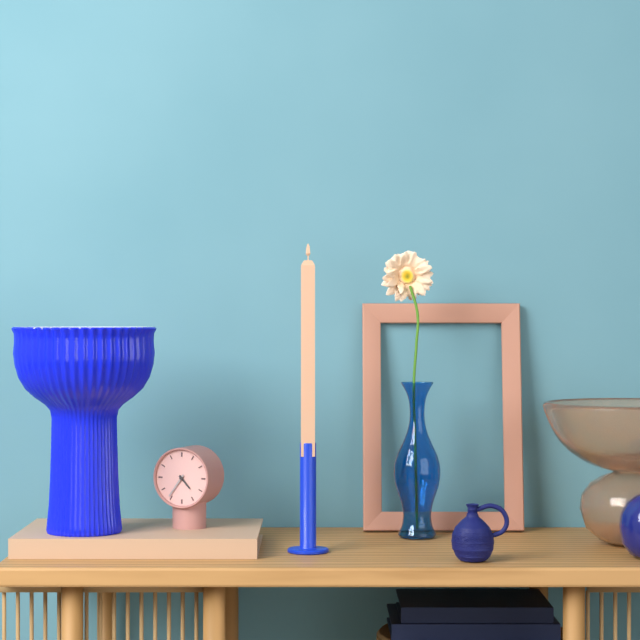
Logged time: 4 h 36 min
